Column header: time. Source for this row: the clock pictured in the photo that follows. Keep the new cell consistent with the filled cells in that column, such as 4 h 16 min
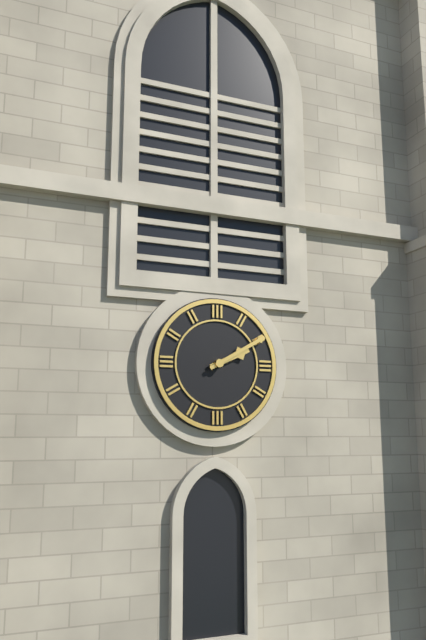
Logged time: 2 h 10 min
